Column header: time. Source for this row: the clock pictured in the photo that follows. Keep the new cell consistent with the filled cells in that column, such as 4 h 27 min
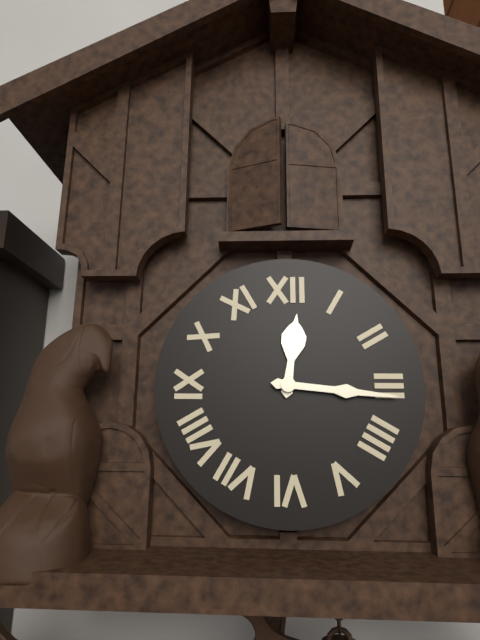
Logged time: 12 h 16 min
